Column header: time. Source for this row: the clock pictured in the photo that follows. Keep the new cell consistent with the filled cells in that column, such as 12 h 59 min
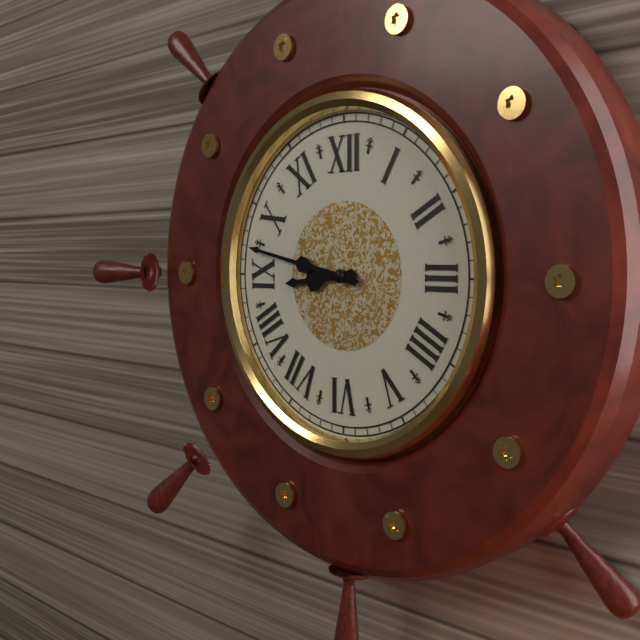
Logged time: 8 h 47 min
